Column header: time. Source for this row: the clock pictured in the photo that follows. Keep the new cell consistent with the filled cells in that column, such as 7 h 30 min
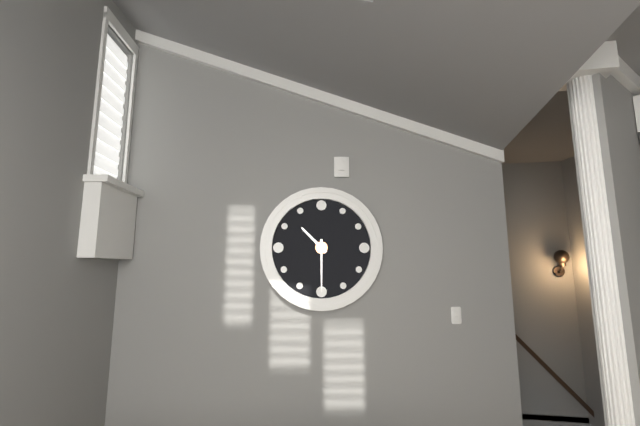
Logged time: 10 h 30 min
